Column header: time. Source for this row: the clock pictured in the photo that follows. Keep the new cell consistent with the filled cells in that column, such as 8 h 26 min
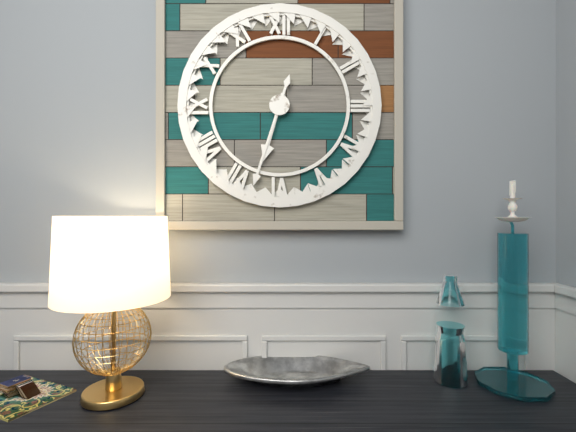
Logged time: 6 h 33 min
